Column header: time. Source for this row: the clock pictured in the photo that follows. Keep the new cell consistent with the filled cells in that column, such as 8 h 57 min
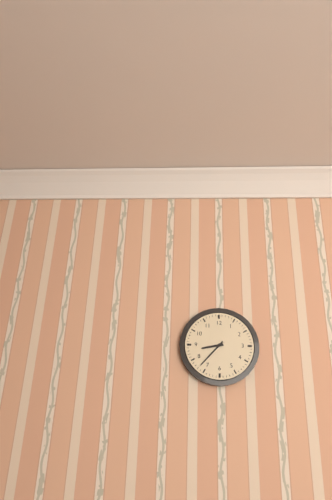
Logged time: 8 h 37 min
